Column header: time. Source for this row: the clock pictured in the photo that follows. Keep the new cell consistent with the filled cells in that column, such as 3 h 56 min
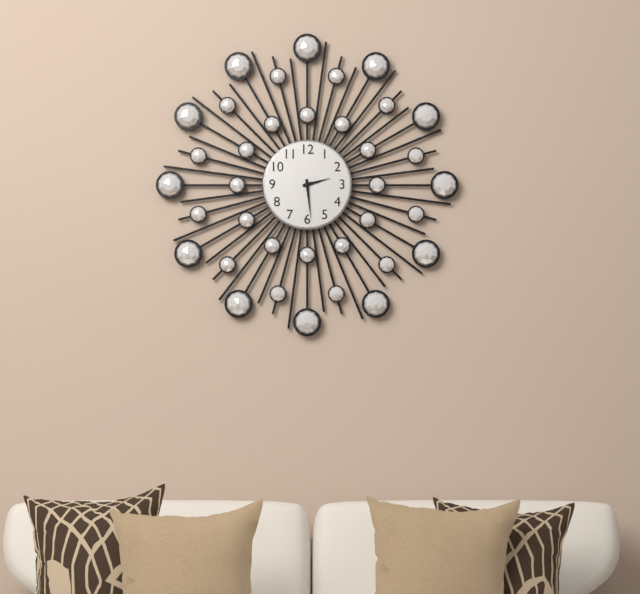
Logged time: 2 h 29 min
